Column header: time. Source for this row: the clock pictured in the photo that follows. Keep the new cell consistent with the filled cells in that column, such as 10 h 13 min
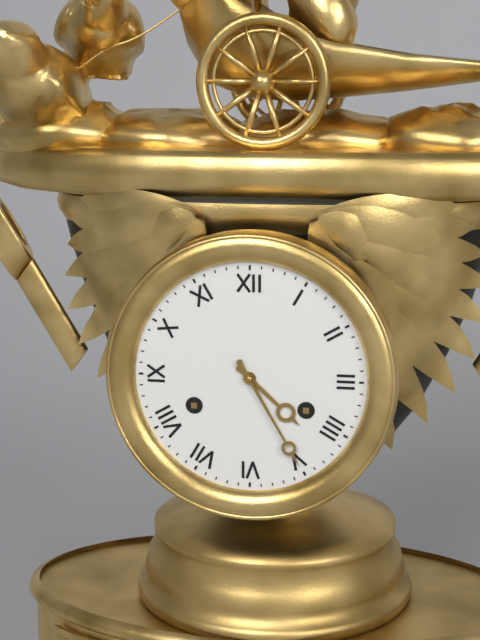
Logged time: 4 h 25 min
